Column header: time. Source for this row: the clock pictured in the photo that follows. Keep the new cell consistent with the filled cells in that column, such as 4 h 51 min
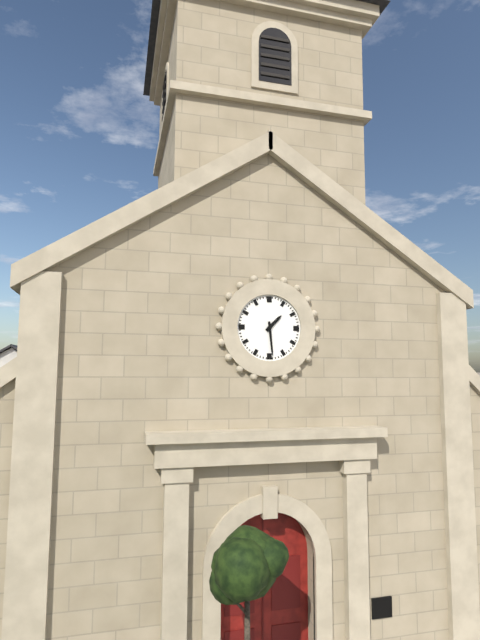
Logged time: 1 h 29 min
